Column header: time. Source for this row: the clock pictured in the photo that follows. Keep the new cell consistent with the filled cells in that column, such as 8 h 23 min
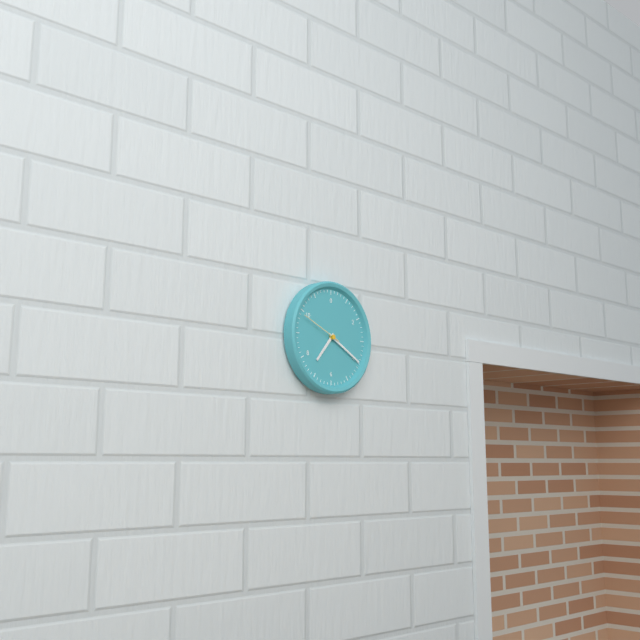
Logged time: 7 h 20 min
